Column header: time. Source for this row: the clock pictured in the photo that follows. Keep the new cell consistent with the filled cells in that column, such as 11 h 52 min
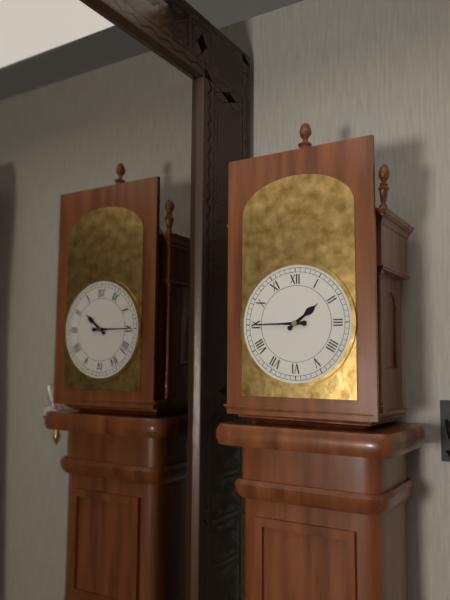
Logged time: 1 h 45 min
